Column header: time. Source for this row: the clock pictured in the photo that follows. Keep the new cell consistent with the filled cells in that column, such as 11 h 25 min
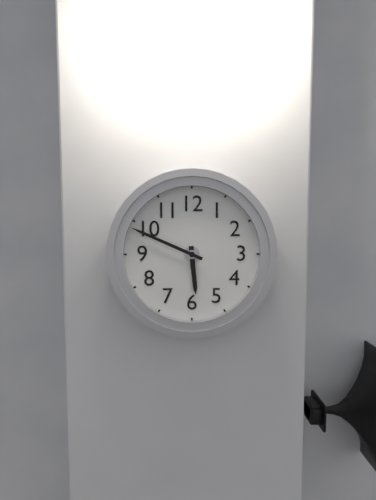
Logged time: 5 h 49 min
